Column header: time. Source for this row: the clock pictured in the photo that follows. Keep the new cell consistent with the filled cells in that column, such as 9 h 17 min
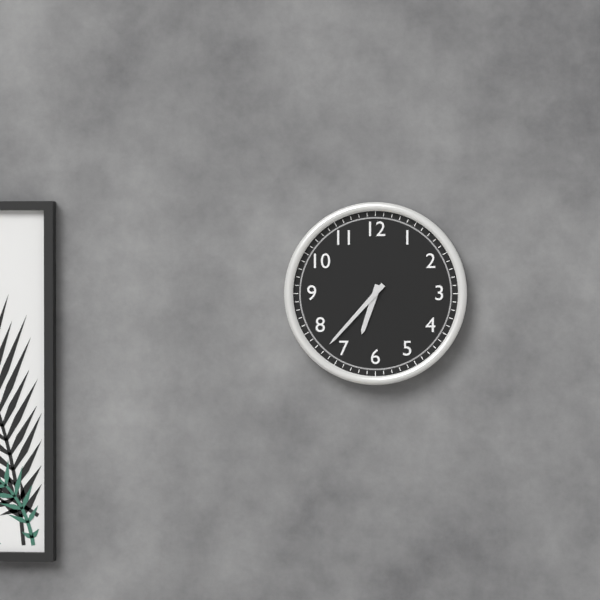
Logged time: 6 h 37 min
